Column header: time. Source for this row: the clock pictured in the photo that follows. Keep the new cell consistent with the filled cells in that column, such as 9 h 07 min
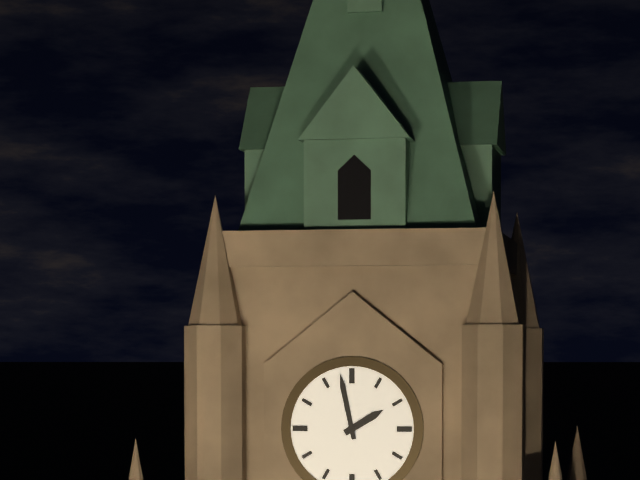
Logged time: 1 h 58 min
